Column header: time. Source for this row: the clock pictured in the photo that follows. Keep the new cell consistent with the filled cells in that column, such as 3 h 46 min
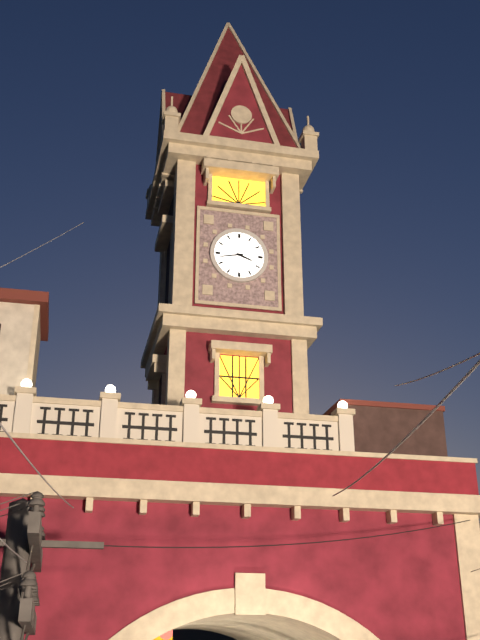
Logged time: 3 h 43 min
